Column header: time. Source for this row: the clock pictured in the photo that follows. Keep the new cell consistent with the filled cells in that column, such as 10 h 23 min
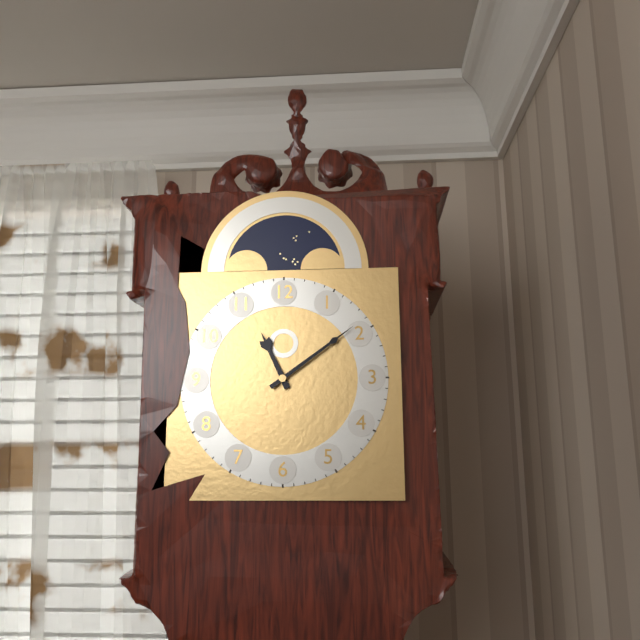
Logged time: 11 h 09 min
